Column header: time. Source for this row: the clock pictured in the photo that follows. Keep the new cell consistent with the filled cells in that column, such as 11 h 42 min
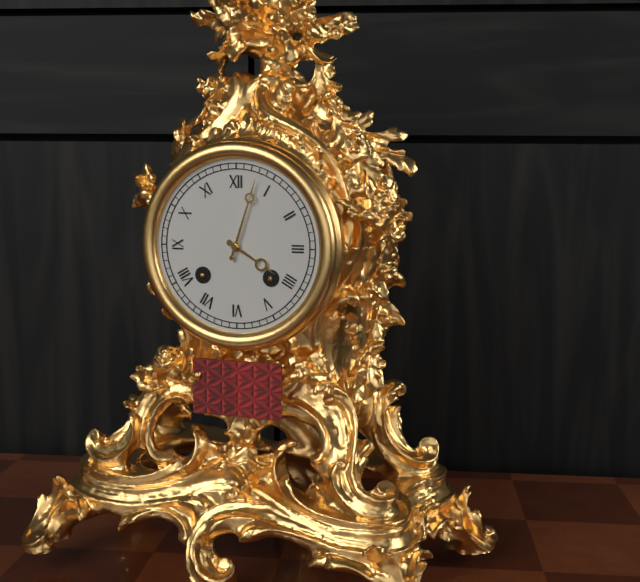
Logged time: 4 h 03 min
